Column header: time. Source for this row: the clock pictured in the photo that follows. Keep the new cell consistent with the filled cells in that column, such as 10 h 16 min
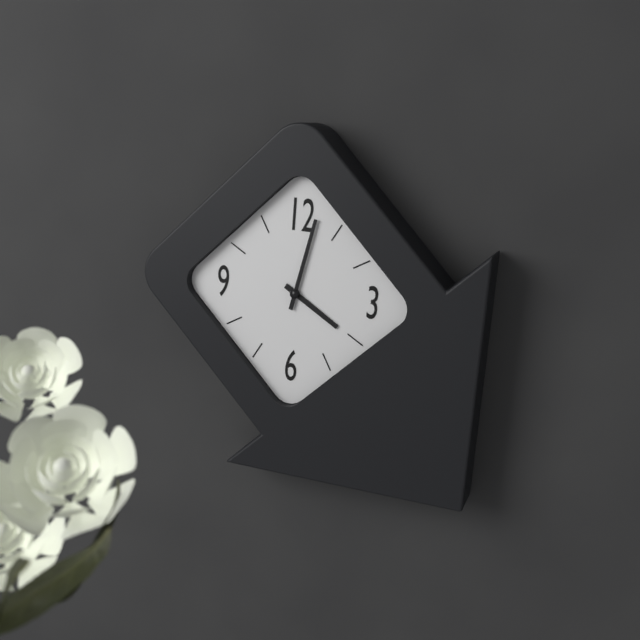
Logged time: 4 h 02 min
